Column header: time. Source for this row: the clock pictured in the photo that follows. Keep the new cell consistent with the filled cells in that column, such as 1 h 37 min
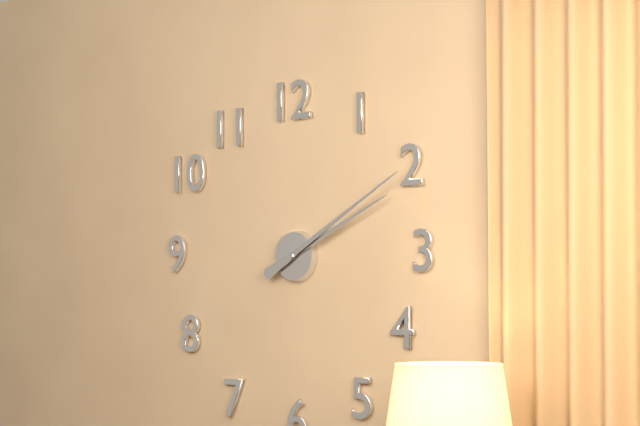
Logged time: 2 h 10 min
